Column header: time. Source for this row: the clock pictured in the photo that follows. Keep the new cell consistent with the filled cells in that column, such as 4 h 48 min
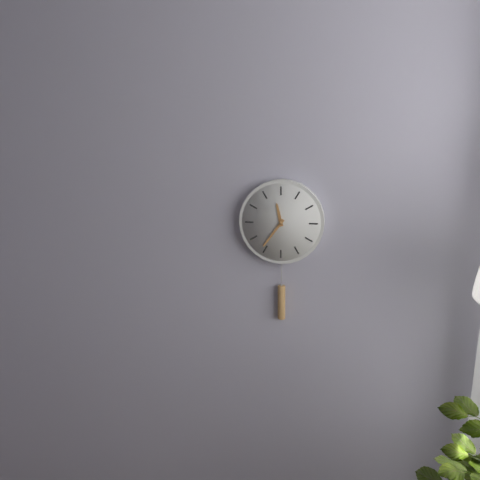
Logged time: 11 h 36 min
